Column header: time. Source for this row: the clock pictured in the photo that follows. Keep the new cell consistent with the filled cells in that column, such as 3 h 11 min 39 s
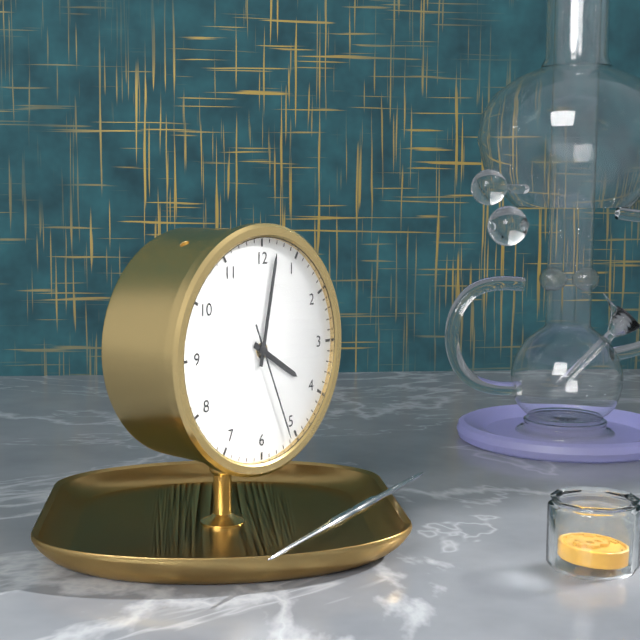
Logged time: 4 h 02 min 26 s
